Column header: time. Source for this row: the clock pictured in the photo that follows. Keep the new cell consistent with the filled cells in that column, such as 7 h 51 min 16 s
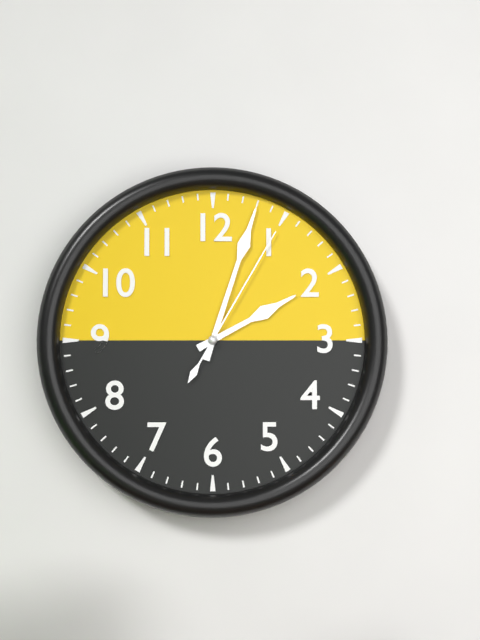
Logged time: 2 h 03 min 05 s
